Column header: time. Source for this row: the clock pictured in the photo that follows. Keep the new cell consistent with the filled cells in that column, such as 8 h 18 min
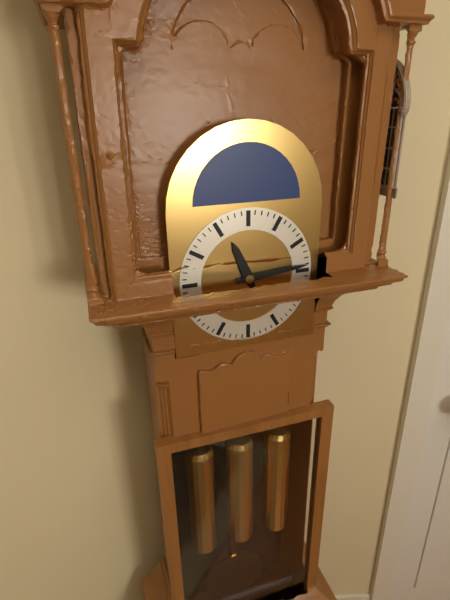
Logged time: 11 h 14 min
